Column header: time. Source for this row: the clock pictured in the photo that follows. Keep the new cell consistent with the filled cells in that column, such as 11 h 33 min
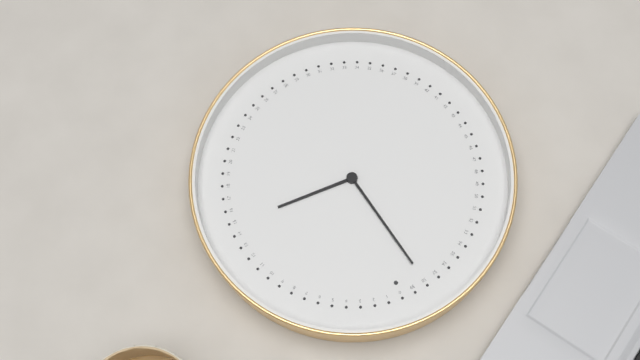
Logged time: 2 h 58 min
